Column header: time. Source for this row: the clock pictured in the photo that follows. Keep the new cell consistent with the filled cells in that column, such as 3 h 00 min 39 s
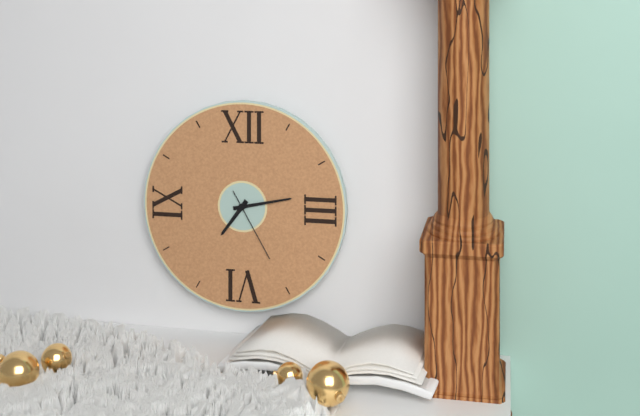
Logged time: 7 h 13 min 25 s
